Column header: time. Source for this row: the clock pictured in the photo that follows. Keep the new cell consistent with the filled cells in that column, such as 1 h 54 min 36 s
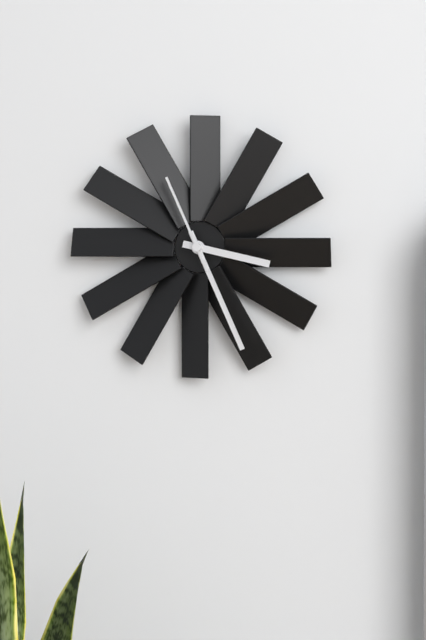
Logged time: 3 h 26 min 56 s
